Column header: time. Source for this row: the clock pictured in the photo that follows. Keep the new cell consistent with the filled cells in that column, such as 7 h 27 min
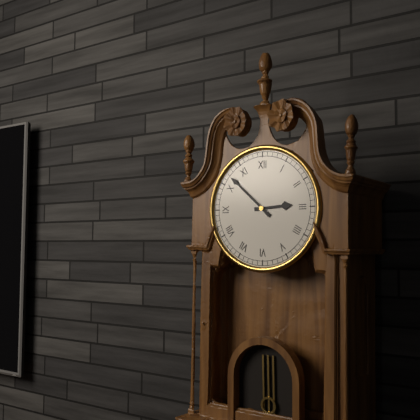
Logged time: 2 h 52 min
